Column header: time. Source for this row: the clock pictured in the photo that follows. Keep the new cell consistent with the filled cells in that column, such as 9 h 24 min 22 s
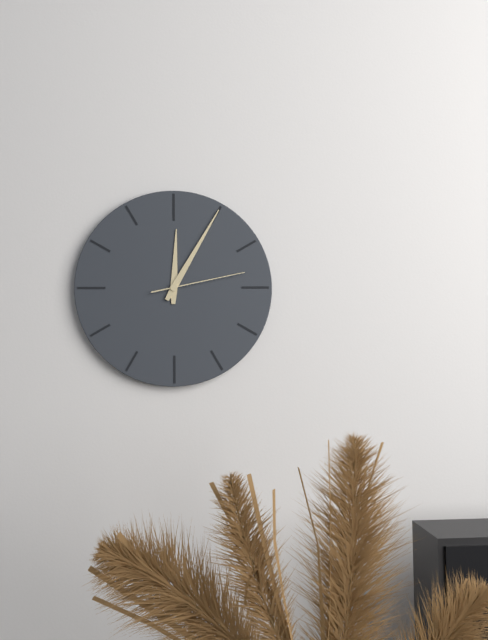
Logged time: 12 h 05 min 13 s
